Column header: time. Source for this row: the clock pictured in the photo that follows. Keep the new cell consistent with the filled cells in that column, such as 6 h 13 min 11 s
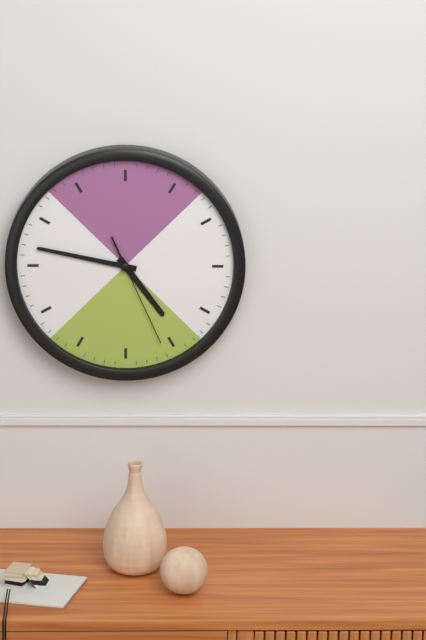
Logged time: 4 h 47 min 26 s
